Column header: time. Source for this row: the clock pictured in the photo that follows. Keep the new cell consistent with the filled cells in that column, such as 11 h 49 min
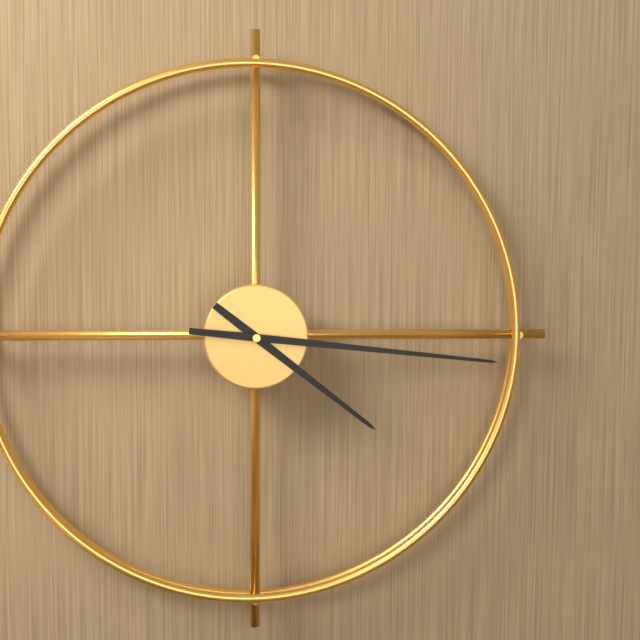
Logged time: 4 h 16 min
